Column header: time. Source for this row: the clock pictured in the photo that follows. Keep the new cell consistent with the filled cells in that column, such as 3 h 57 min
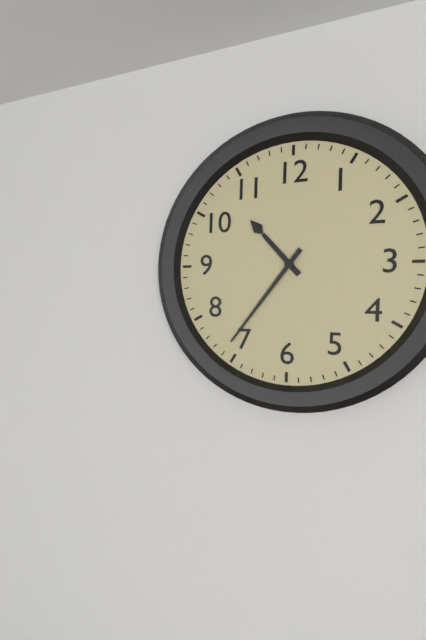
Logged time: 10 h 36 min
